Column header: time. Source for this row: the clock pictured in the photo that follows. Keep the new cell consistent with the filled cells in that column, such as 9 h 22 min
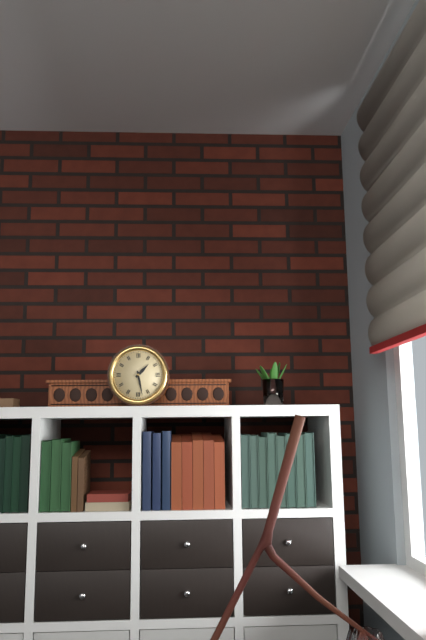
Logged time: 1 h 28 min
